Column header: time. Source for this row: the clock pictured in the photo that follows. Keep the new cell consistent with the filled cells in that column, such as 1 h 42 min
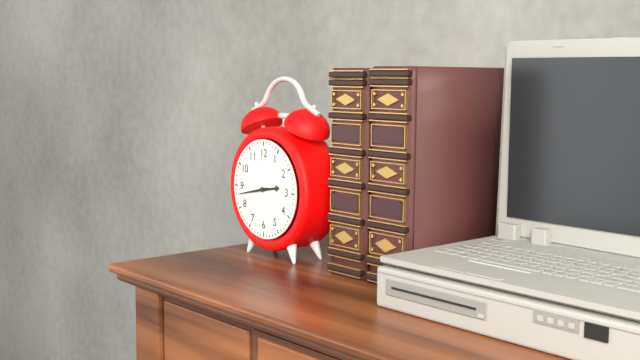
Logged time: 2 h 43 min
